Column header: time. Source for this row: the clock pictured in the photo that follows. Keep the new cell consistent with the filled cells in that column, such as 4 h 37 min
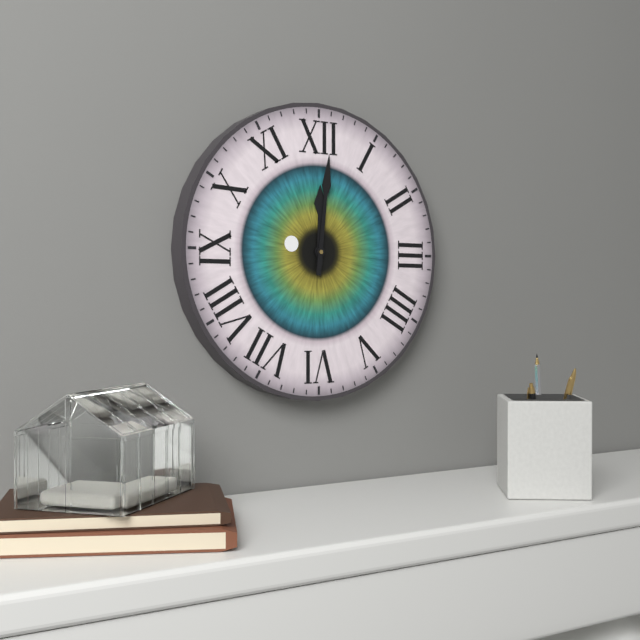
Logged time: 12 h 01 min
